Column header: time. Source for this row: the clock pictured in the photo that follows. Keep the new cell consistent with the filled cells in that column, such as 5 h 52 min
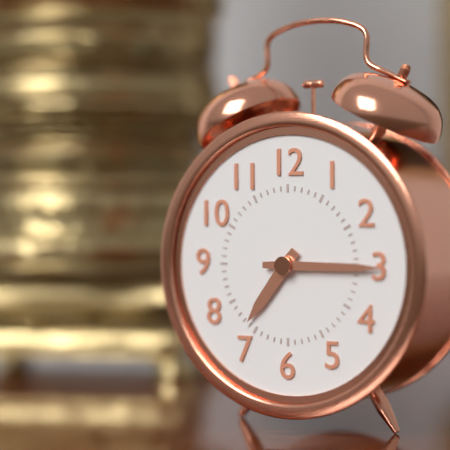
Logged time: 7 h 15 min
